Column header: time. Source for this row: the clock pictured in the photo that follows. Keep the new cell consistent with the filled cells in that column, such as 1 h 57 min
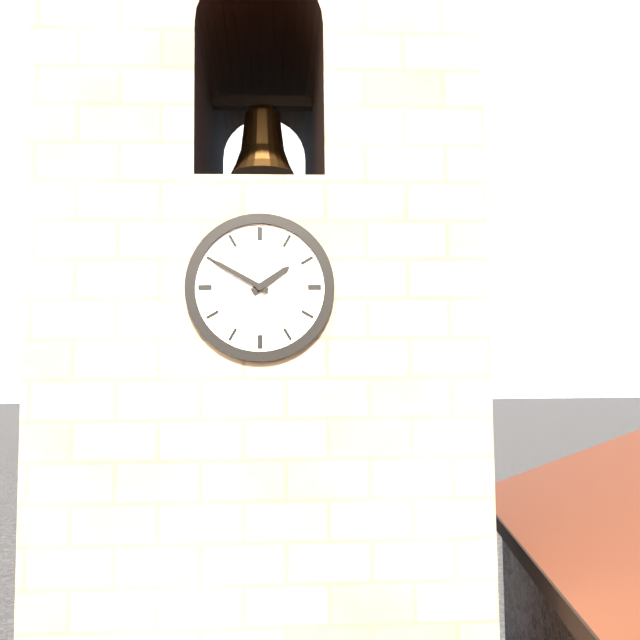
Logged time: 1 h 50 min
